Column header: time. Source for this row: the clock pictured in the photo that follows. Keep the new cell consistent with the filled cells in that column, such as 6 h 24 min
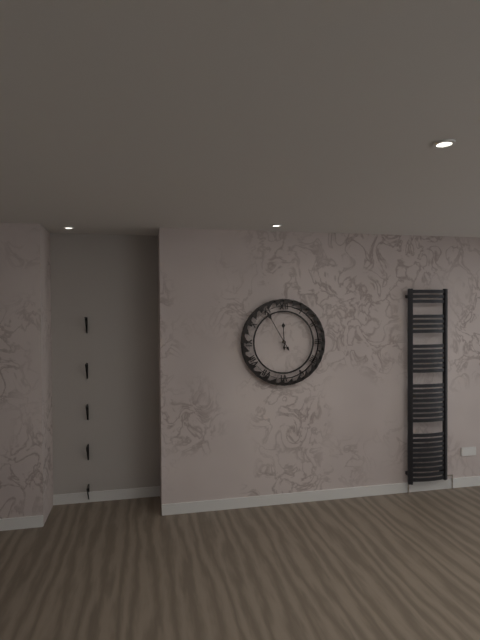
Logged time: 11 h 55 min
